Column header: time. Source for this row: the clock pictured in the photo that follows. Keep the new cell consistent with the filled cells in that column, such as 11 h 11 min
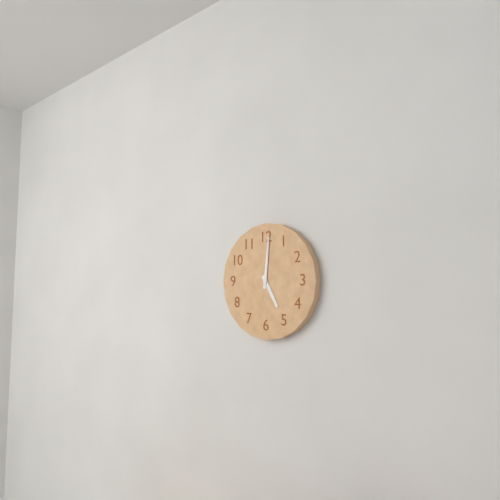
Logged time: 5 h 01 min
